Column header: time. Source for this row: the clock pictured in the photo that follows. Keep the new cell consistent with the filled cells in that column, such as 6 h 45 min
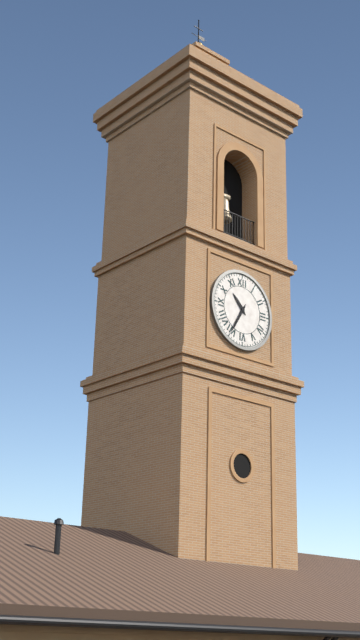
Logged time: 10 h 35 min
